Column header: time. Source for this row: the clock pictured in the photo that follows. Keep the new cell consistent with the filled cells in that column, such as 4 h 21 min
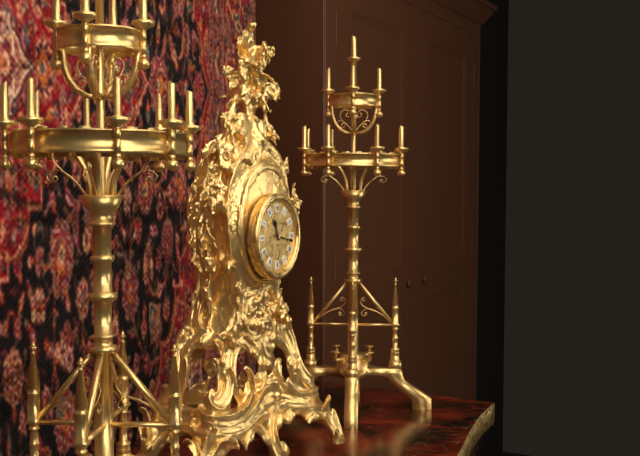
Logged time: 11 h 17 min
